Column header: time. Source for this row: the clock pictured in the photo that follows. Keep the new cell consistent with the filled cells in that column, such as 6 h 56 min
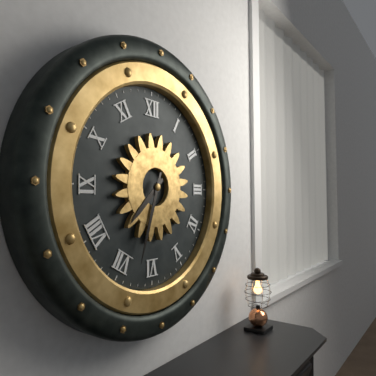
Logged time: 7 h 33 min
